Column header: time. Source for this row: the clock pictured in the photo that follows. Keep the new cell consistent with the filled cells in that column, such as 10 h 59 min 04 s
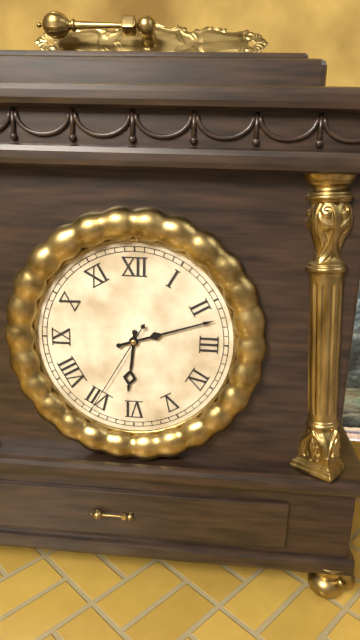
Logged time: 6 h 12 min 35 s
